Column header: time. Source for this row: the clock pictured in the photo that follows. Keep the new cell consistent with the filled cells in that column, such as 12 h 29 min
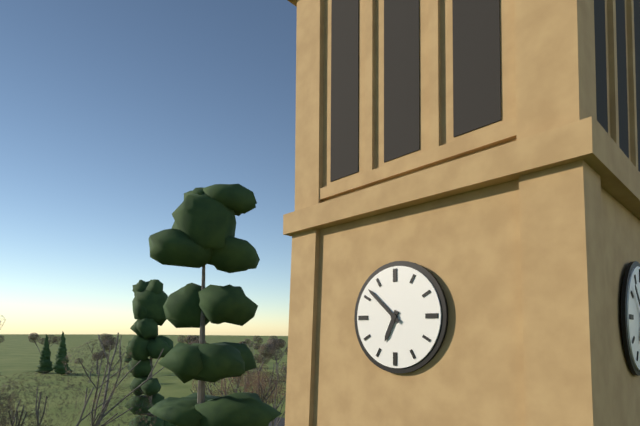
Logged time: 6 h 52 min
